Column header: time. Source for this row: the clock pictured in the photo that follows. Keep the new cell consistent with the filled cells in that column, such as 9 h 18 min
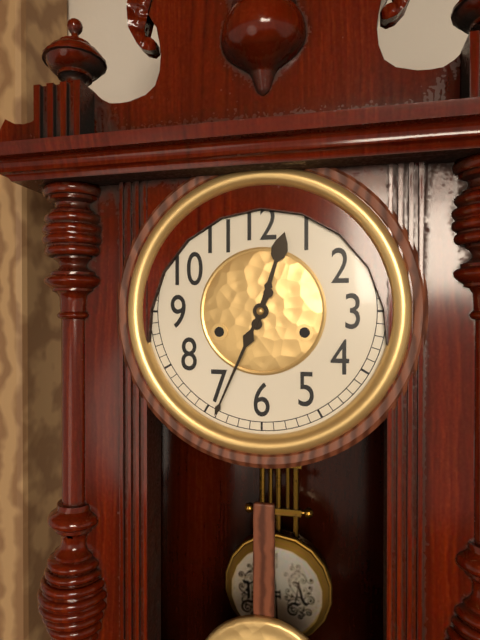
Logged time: 12 h 34 min
